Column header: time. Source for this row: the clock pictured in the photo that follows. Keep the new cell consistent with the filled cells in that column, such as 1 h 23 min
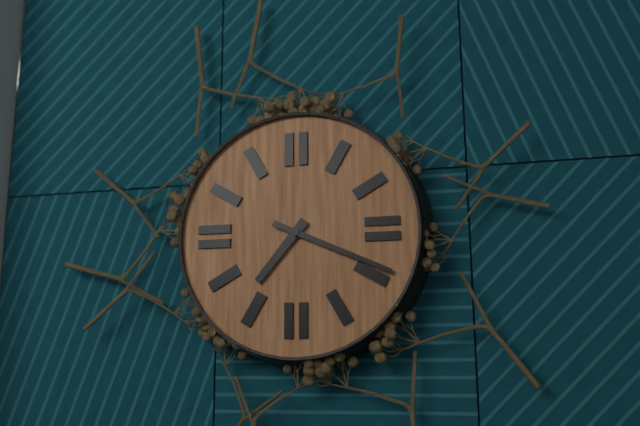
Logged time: 7 h 19 min
